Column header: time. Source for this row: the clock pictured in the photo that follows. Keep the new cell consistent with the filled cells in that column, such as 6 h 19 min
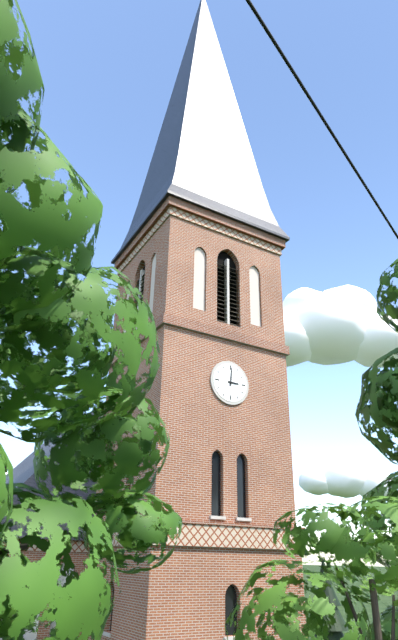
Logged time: 3 h 01 min
